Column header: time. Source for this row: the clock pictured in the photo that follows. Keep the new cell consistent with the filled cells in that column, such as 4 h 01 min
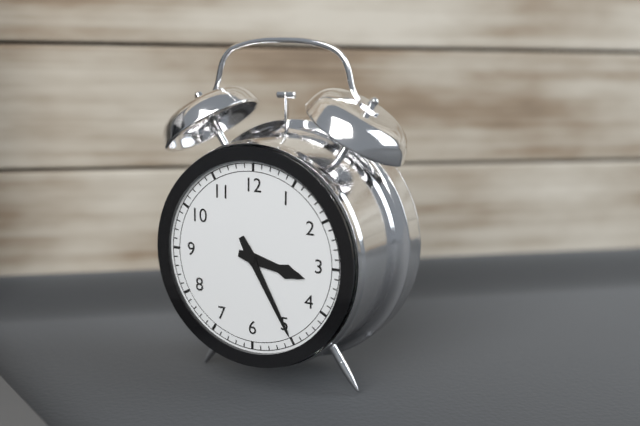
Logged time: 3 h 25 min
